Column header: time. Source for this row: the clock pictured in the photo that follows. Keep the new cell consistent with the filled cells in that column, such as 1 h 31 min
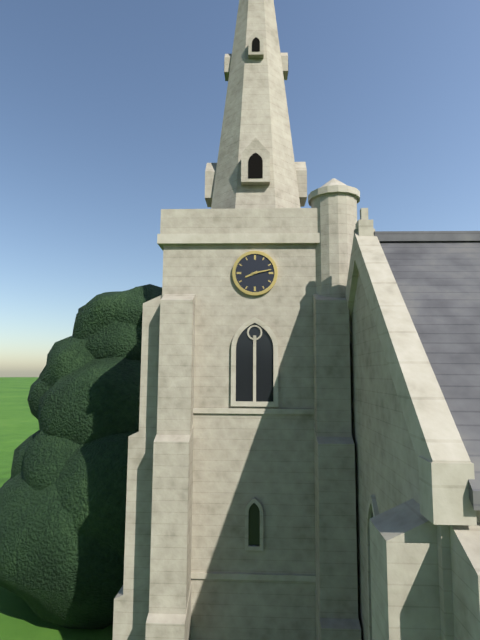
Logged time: 8 h 13 min
